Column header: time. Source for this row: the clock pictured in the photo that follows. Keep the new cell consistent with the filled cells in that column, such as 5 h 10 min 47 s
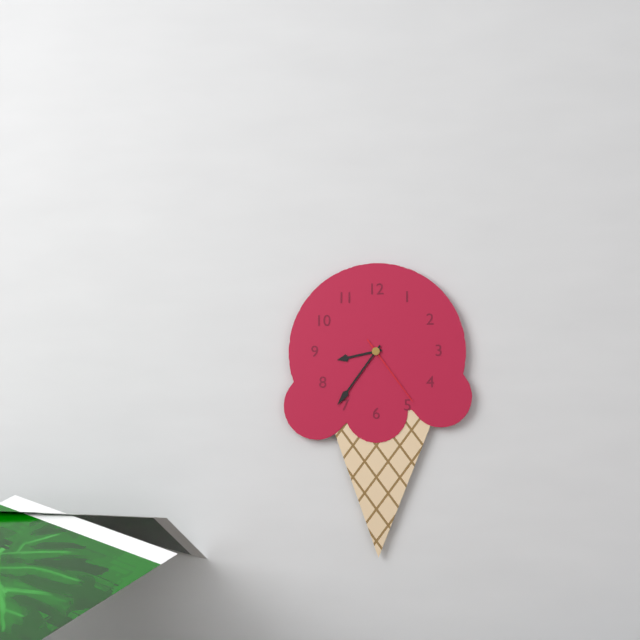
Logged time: 8 h 36 min 24 s
